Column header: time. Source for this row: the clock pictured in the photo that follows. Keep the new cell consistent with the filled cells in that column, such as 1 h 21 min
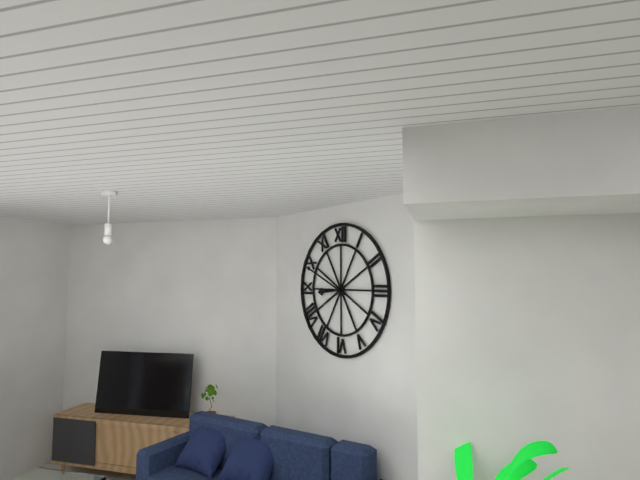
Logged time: 8 h 49 min
